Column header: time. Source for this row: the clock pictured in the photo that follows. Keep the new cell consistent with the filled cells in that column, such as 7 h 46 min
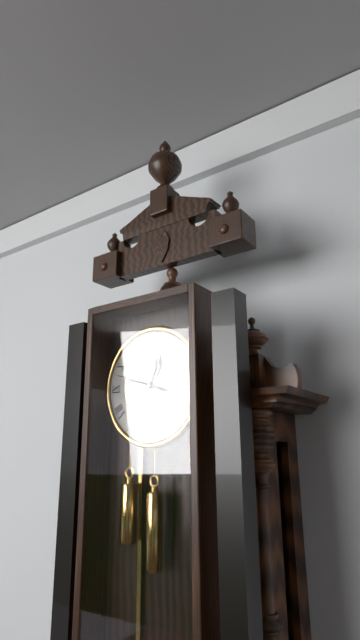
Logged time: 12 h 48 min
